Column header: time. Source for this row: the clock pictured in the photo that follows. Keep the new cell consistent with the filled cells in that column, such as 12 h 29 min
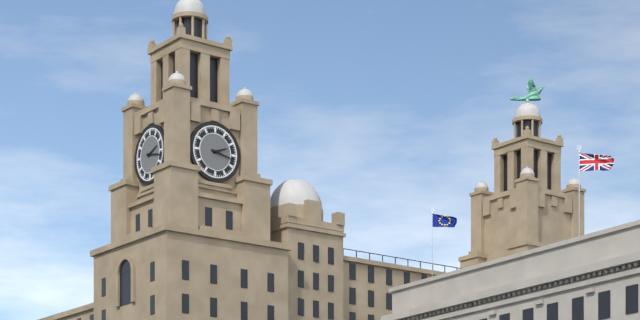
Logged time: 2 h 17 min
